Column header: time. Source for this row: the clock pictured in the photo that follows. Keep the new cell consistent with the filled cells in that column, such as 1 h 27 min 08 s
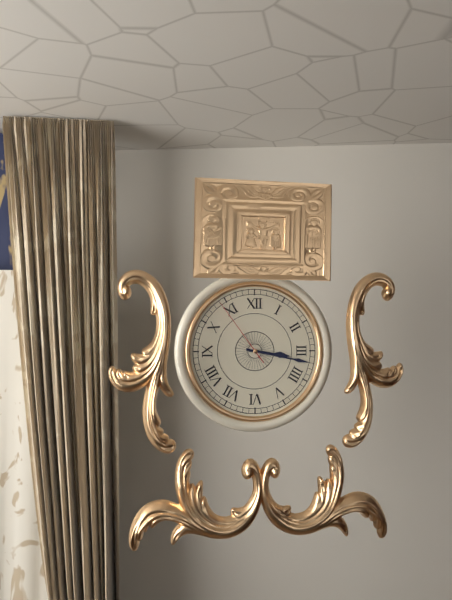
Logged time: 3 h 17 min 54 s
